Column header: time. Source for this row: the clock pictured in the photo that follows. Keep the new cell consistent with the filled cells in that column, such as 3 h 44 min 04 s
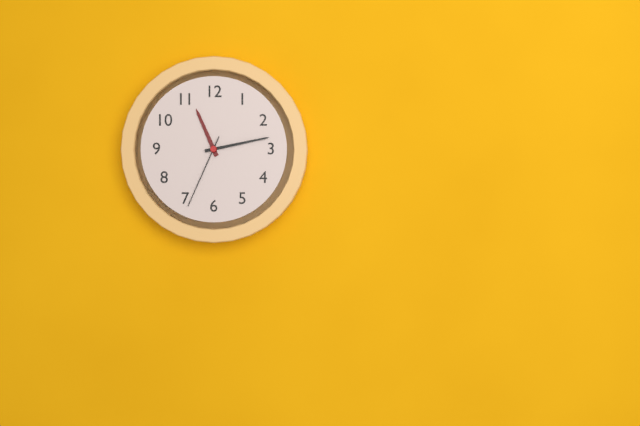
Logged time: 11 h 13 min 34 s
